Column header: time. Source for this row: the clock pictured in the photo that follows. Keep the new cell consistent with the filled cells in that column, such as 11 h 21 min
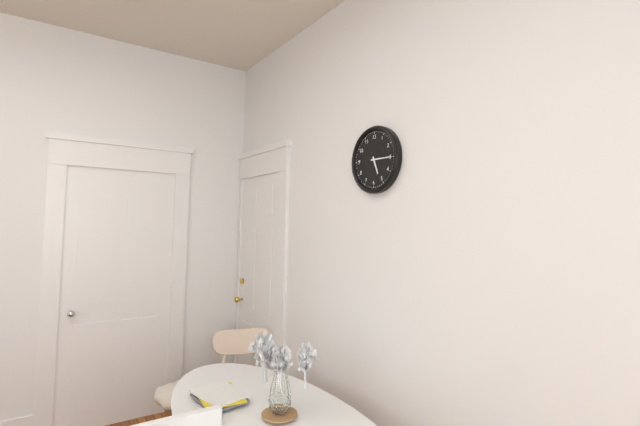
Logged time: 5 h 15 min
